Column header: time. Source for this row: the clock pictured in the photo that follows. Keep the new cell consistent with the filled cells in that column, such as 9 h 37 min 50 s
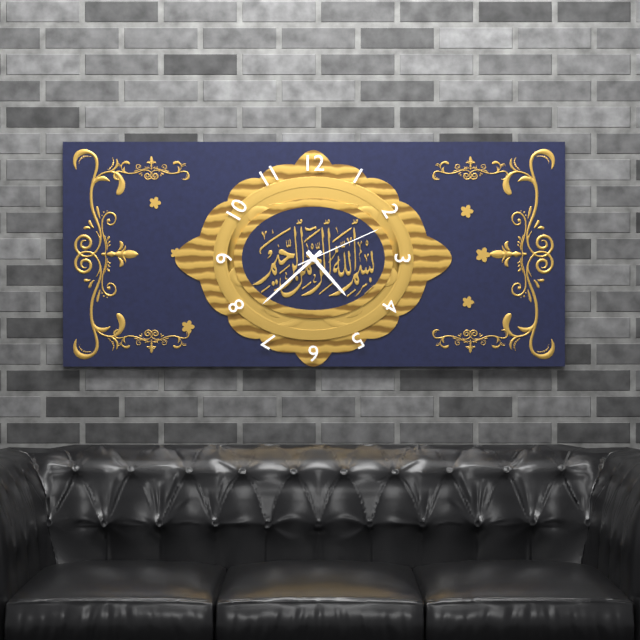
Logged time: 4 h 38 min 11 s
